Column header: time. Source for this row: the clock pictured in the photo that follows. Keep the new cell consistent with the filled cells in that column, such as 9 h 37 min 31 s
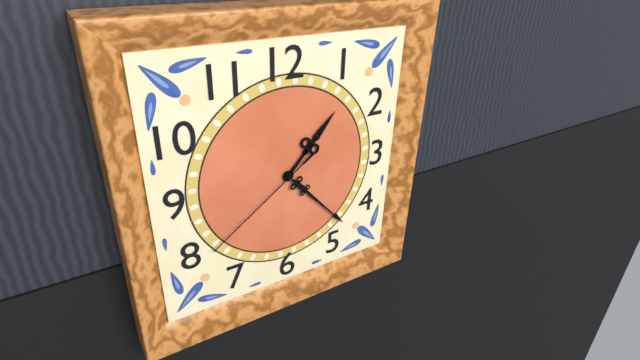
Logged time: 1 h 23 min 39 s
